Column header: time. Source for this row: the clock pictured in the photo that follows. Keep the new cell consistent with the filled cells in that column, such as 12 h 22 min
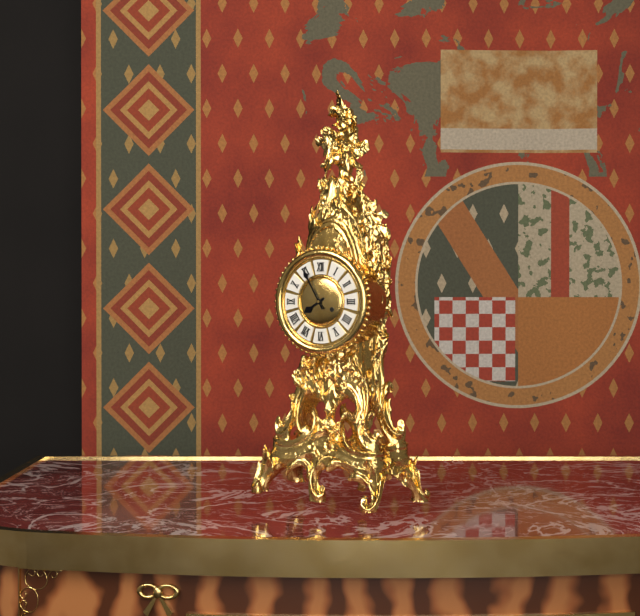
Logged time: 7 h 55 min
